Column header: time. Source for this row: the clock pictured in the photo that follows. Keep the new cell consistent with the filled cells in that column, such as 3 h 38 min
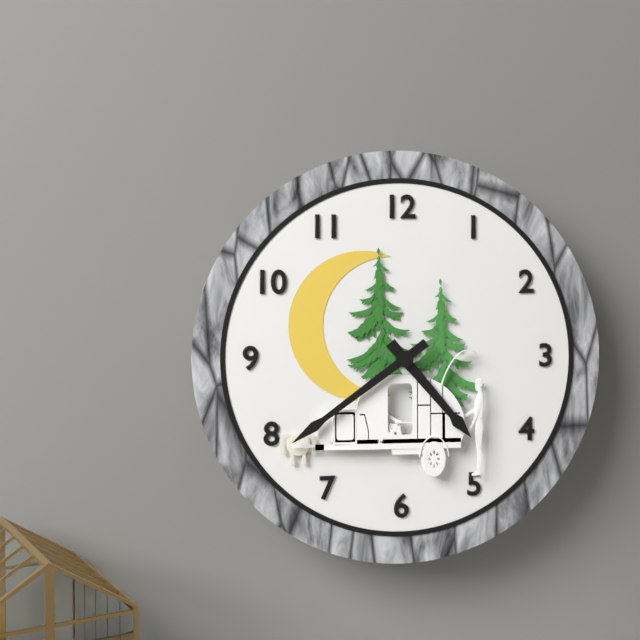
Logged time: 4 h 39 min
